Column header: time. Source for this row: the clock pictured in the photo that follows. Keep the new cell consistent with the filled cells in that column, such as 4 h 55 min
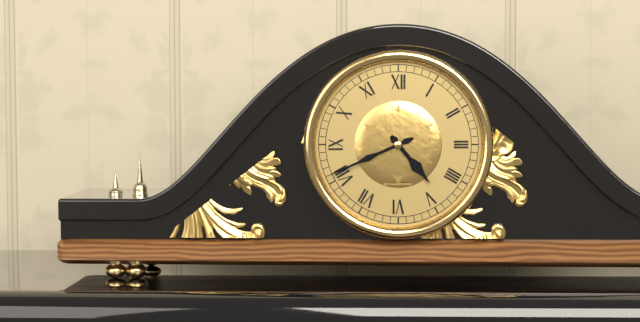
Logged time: 4 h 41 min
